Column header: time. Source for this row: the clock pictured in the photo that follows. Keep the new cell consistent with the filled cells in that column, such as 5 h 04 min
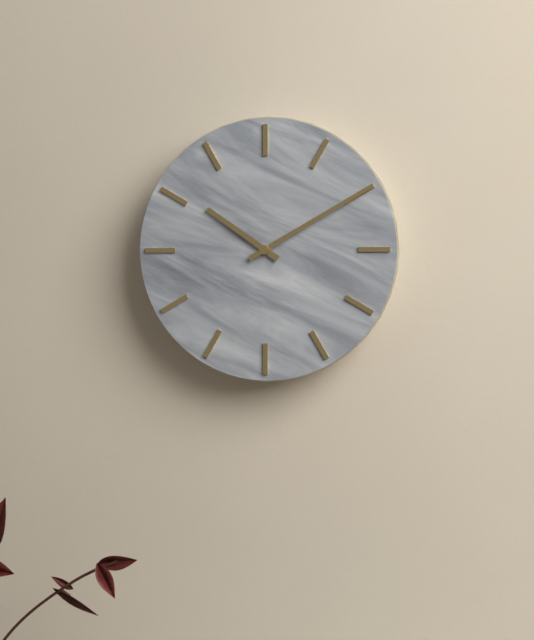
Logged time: 10 h 10 min
